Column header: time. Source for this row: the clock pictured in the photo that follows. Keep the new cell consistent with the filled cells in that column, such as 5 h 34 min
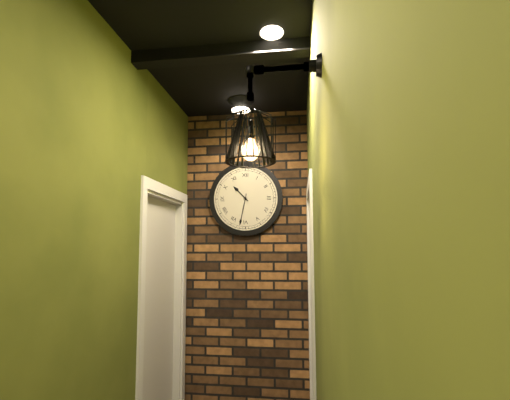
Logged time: 10 h 32 min
